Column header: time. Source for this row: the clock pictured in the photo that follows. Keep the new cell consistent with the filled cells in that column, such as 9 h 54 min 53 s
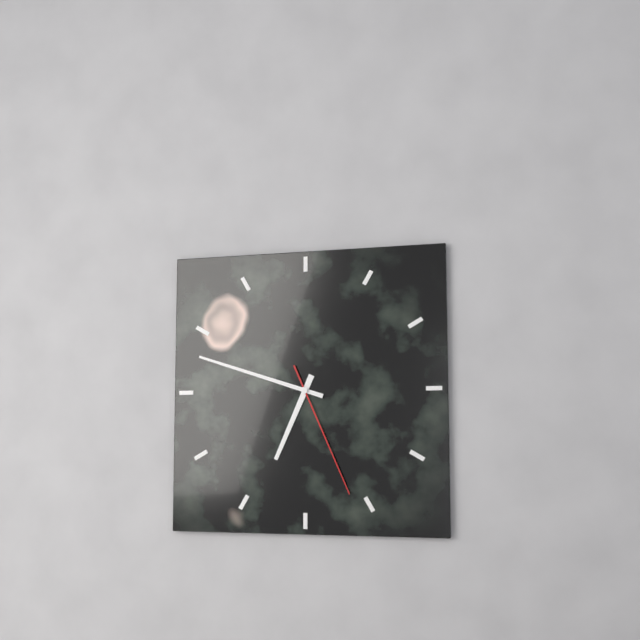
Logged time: 6 h 48 min 26 s
